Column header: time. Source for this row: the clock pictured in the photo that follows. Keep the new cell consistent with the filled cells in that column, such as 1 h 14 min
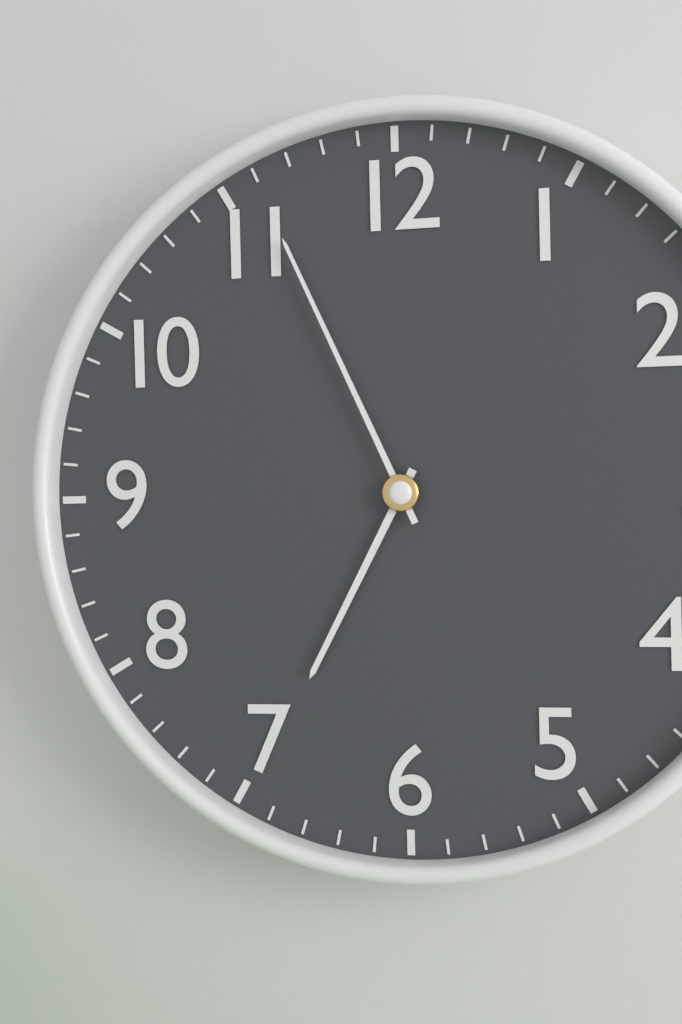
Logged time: 6 h 56 min
